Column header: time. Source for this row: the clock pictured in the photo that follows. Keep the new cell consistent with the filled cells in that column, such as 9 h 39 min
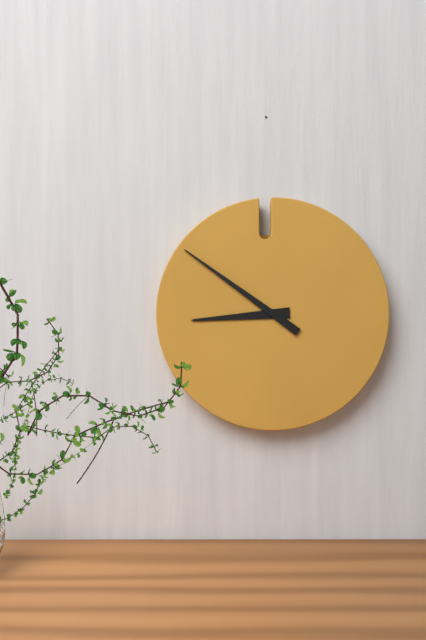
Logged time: 8 h 51 min
